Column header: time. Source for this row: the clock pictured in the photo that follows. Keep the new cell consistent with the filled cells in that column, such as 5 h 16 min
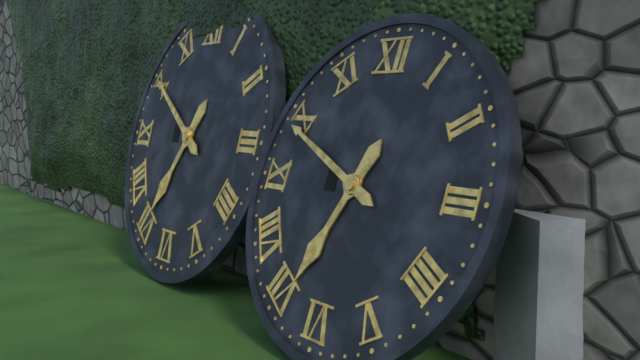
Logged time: 6 h 49 min
